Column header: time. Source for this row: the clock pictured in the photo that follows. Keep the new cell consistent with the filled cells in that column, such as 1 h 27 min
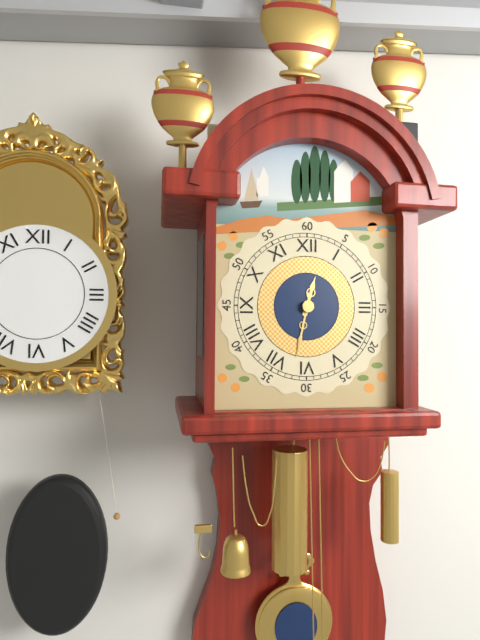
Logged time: 12 h 32 min
